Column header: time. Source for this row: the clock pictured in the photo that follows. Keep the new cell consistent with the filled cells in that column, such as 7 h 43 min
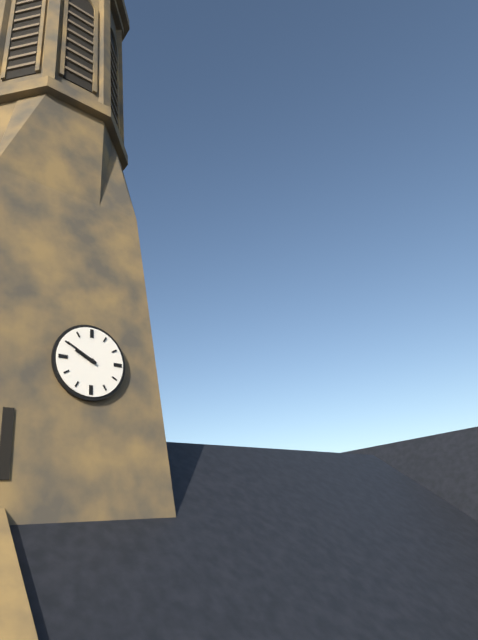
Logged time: 9 h 50 min
